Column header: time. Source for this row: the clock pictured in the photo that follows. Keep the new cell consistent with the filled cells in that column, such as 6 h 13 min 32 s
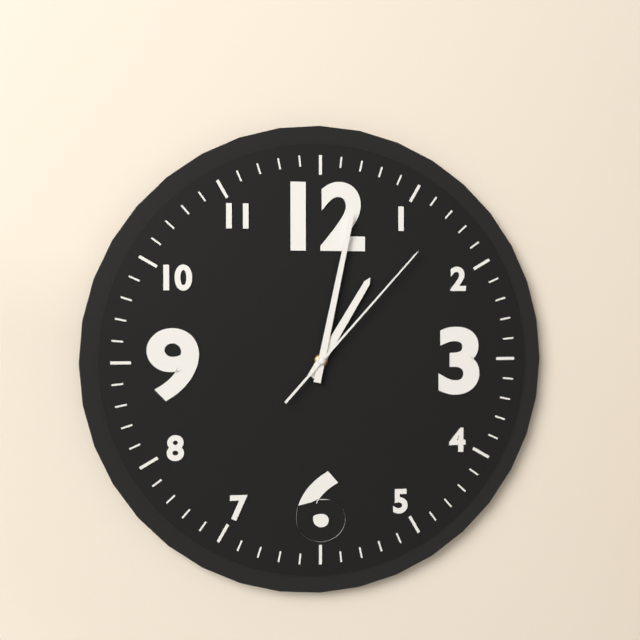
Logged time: 1 h 02 min 07 s
